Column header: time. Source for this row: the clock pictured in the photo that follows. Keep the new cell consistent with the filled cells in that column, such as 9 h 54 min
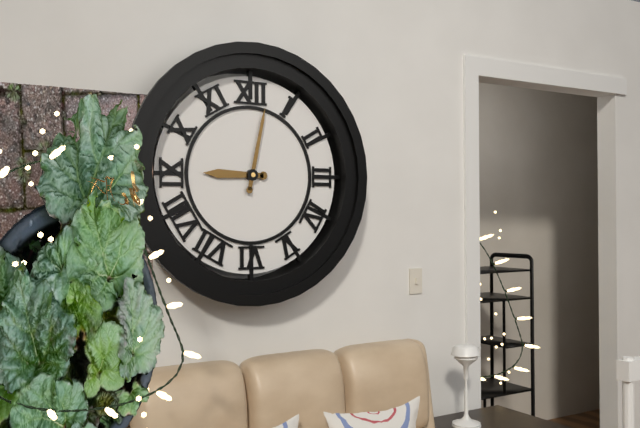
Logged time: 9 h 02 min
